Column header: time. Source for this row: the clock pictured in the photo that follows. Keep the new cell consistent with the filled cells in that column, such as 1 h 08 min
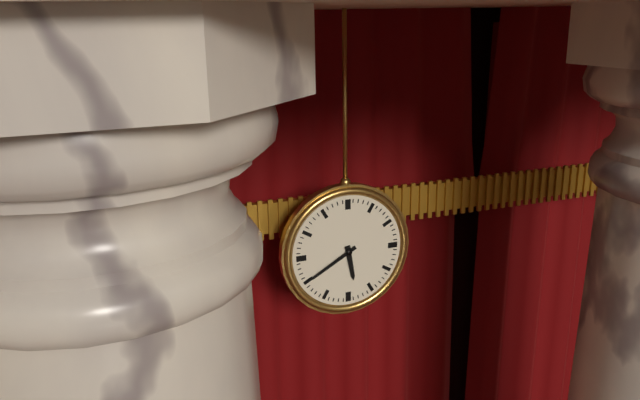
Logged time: 5 h 40 min
